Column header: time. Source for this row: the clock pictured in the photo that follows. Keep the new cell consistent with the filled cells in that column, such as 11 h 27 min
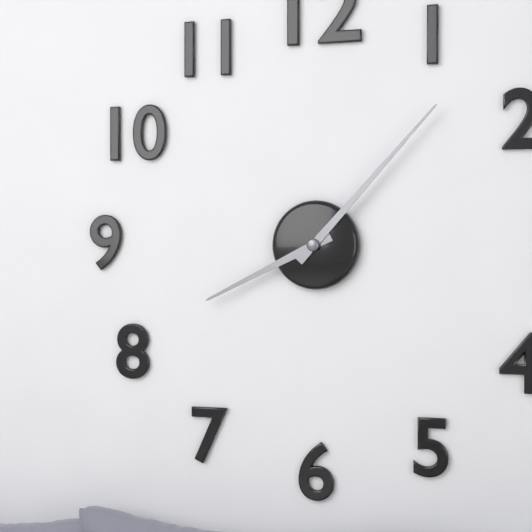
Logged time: 8 h 07 min
